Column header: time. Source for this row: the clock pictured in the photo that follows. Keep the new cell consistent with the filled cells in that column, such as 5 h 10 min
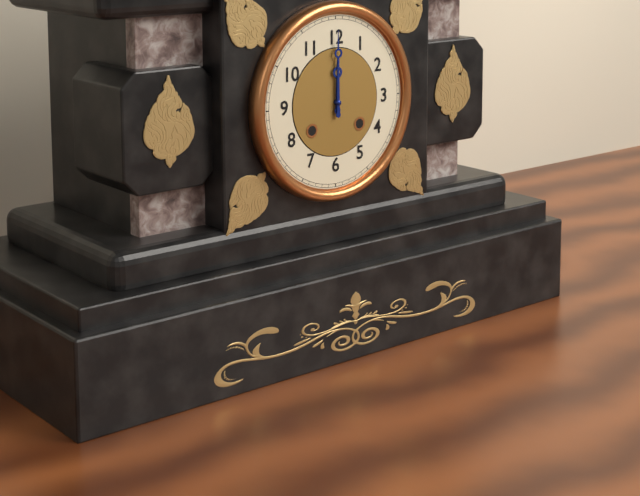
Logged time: 12 h 00 min
